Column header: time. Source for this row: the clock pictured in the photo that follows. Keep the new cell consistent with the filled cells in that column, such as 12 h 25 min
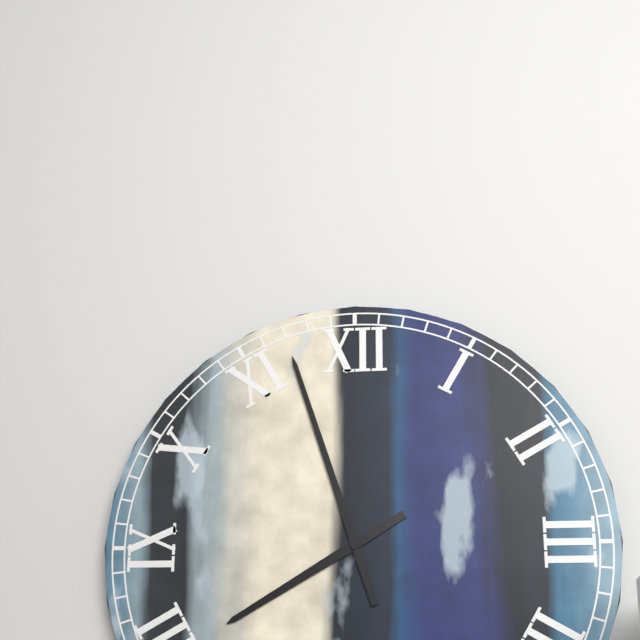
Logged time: 7 h 57 min
